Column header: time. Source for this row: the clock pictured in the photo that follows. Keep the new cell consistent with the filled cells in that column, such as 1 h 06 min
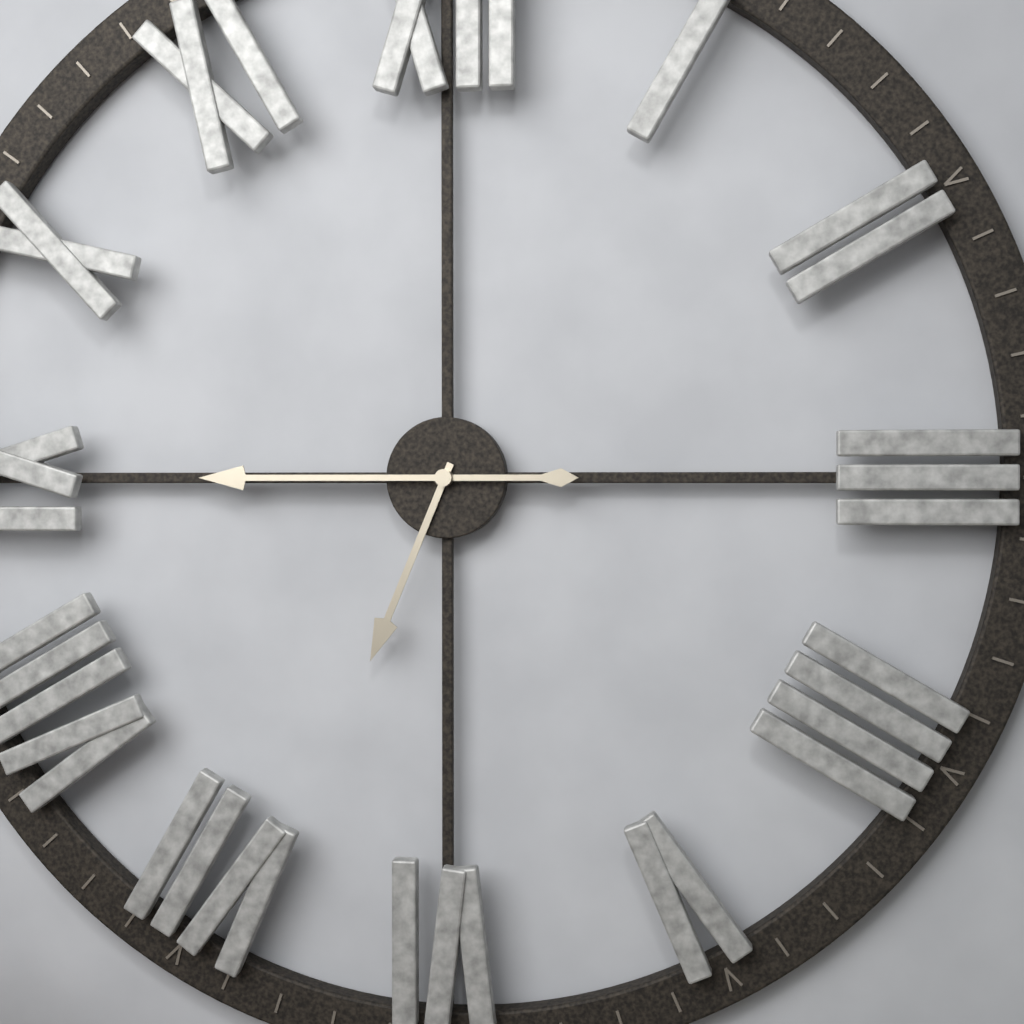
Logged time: 6 h 45 min
